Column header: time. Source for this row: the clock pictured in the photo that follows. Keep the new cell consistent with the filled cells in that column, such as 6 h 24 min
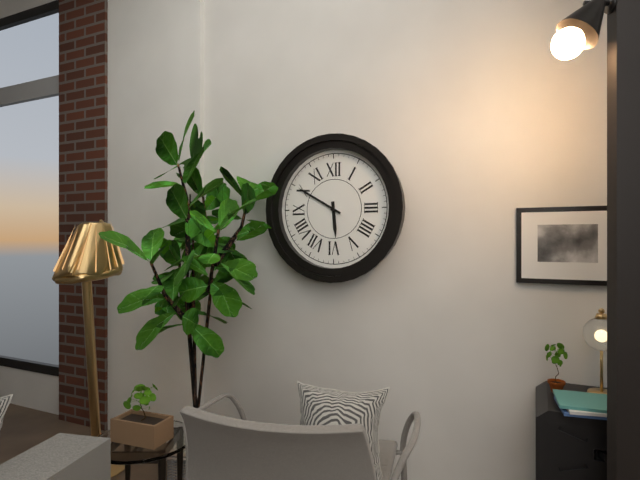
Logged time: 5 h 50 min
